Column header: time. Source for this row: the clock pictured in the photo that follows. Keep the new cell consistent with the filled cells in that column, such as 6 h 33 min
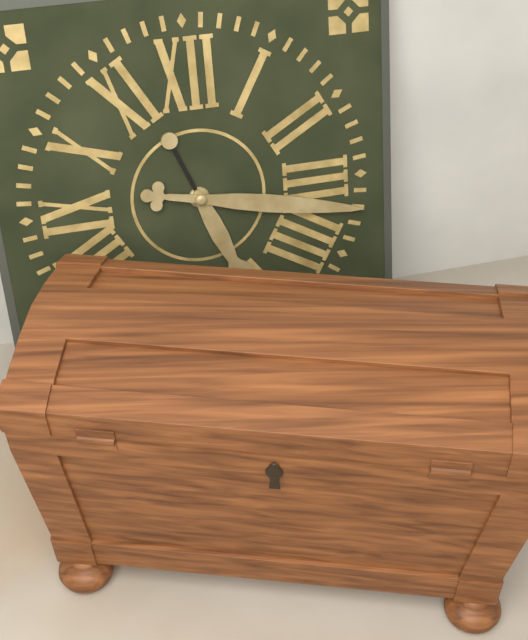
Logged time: 5 h 17 min
